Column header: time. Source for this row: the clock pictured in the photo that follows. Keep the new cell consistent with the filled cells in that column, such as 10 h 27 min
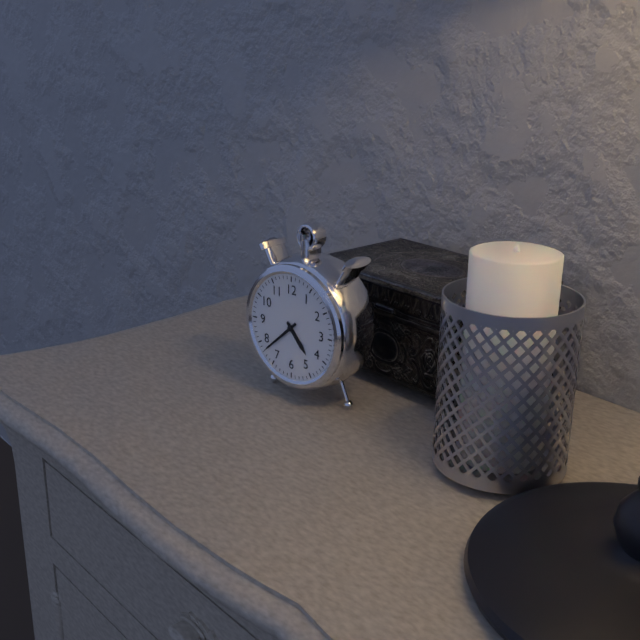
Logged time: 4 h 38 min
